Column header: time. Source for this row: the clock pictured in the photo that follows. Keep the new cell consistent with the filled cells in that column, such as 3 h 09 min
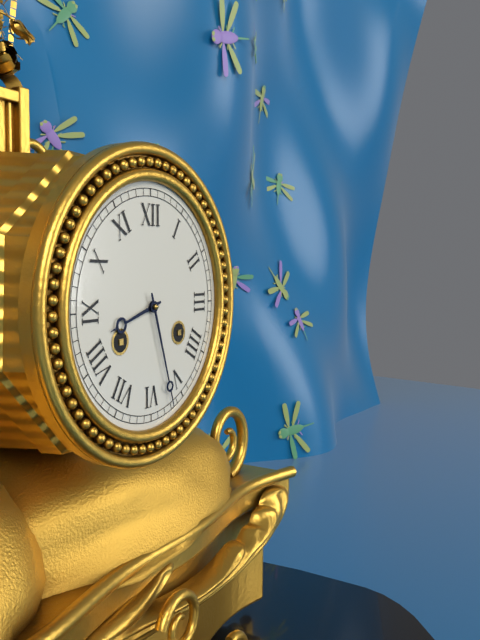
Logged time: 8 h 27 min
